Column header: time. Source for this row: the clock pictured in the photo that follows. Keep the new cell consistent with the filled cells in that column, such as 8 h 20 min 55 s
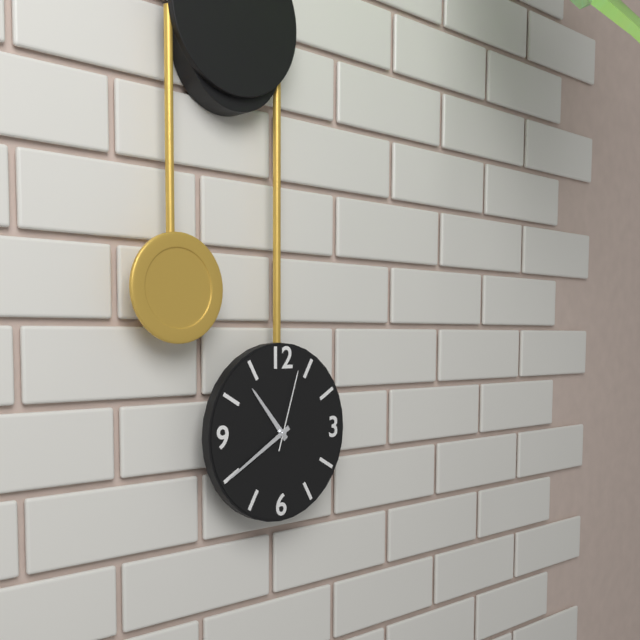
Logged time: 10 h 40 min 03 s
